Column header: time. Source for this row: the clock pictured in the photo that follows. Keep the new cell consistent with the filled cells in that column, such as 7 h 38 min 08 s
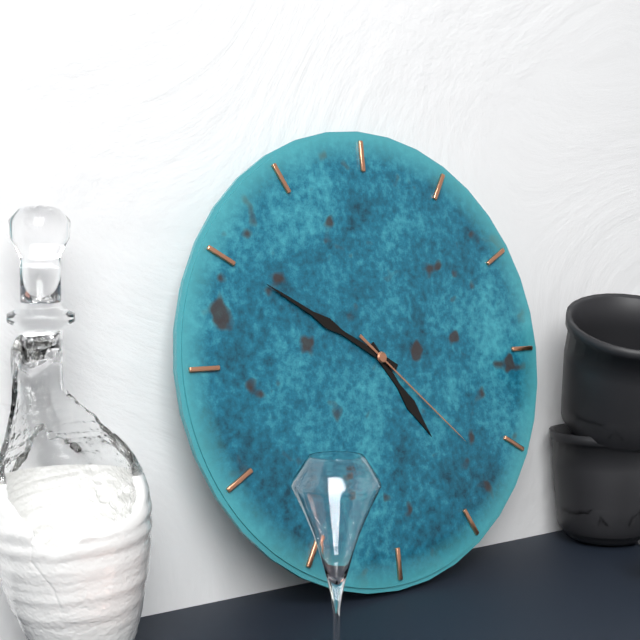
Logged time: 4 h 50 min 22 s
